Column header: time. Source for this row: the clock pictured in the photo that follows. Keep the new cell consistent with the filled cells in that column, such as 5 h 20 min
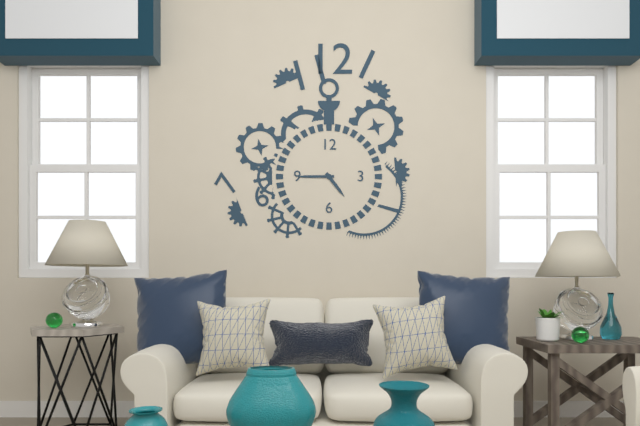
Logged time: 4 h 45 min
